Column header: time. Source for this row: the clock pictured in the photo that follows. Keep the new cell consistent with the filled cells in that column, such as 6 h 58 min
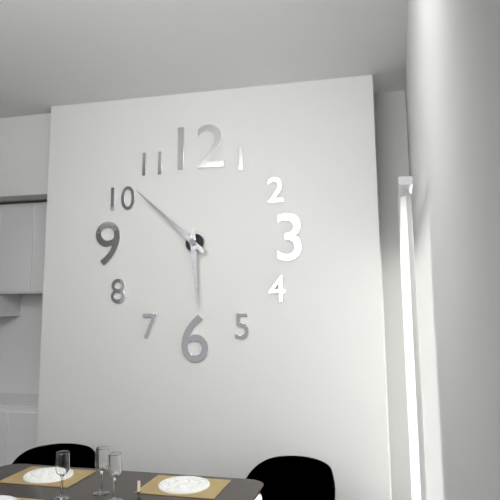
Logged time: 5 h 52 min
